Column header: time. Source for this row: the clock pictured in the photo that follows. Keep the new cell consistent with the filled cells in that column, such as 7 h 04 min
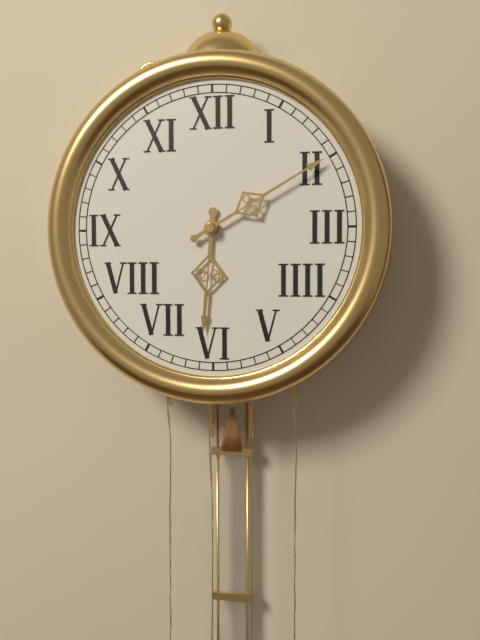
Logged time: 6 h 10 min
